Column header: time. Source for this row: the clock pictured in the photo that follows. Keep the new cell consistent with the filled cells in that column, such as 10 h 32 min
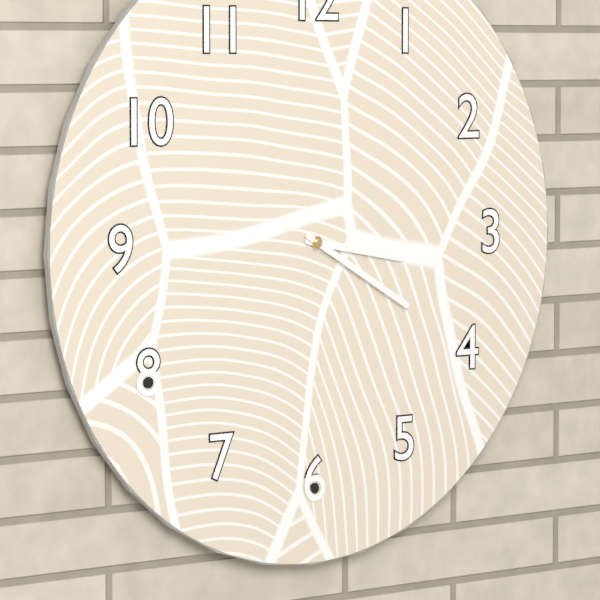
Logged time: 3 h 20 min
